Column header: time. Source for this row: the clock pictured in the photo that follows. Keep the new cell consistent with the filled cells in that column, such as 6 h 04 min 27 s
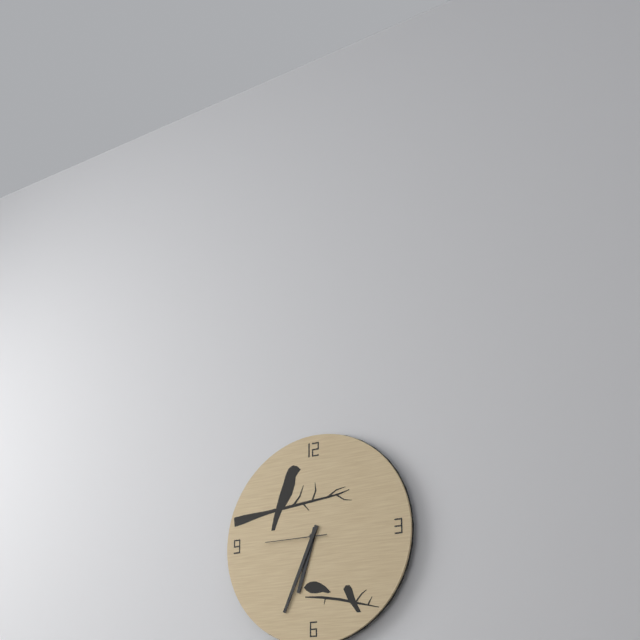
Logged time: 6 h 34 min 45 s
